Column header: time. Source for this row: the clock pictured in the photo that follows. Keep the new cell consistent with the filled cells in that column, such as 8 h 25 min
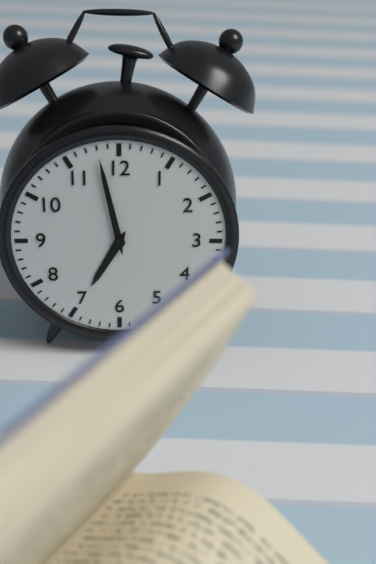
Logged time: 6 h 58 min
